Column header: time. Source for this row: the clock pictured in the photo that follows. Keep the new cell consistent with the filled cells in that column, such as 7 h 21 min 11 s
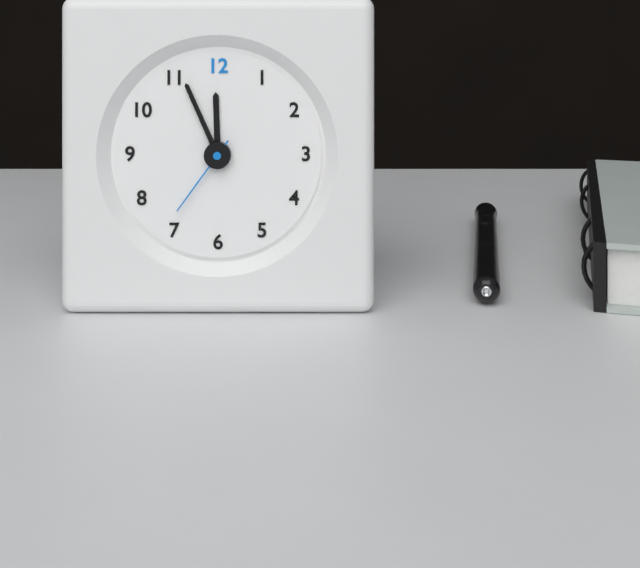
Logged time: 11 h 56 min 36 s
